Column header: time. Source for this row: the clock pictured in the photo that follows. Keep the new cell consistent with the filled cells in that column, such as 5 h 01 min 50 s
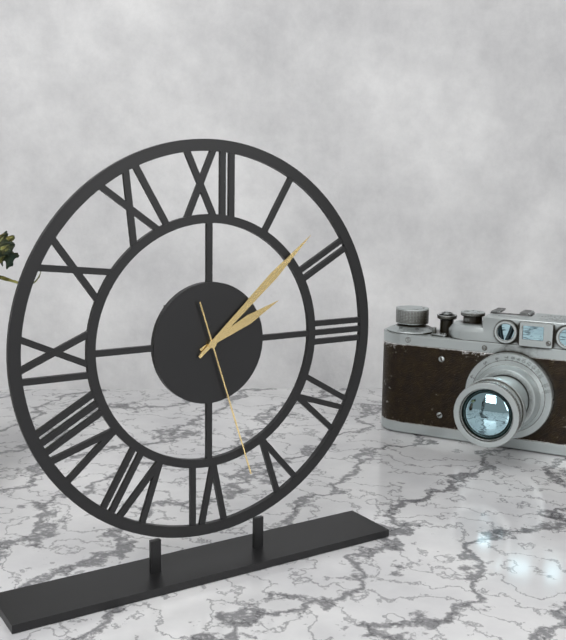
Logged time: 2 h 08 min 27 s
